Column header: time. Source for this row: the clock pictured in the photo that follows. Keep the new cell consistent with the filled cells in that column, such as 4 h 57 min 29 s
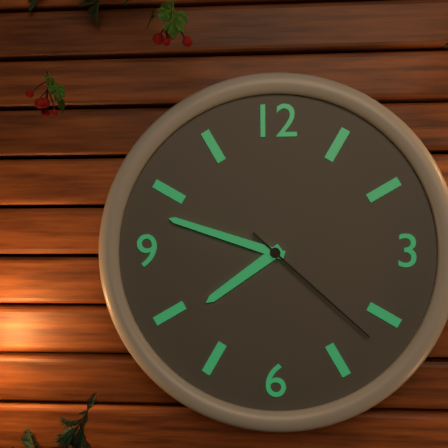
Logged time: 7 h 48 min 22 s
